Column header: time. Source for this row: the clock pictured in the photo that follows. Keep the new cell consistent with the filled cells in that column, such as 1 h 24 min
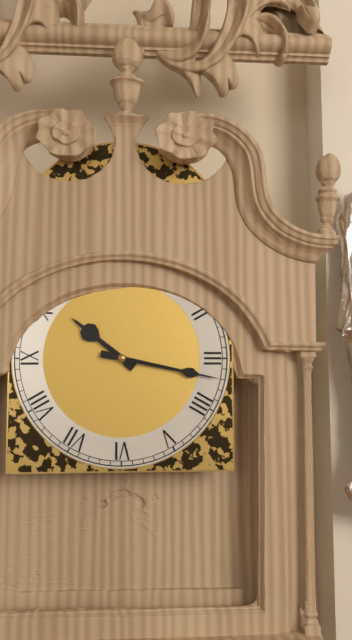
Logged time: 10 h 17 min
